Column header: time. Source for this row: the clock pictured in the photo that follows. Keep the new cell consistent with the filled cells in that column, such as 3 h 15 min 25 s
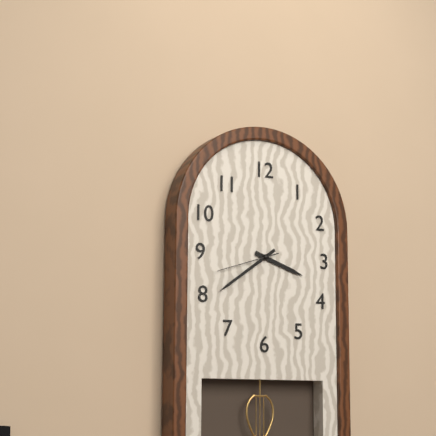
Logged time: 3 h 39 min 42 s
